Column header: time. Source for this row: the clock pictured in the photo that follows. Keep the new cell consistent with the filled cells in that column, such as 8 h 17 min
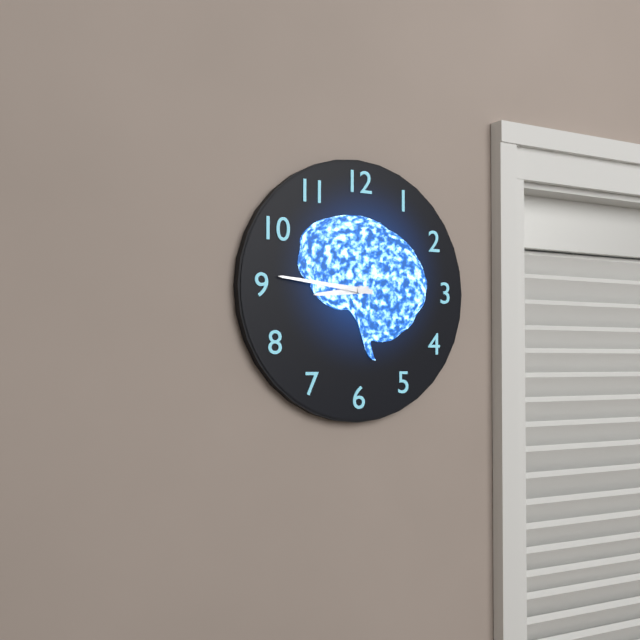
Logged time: 8 h 46 min
